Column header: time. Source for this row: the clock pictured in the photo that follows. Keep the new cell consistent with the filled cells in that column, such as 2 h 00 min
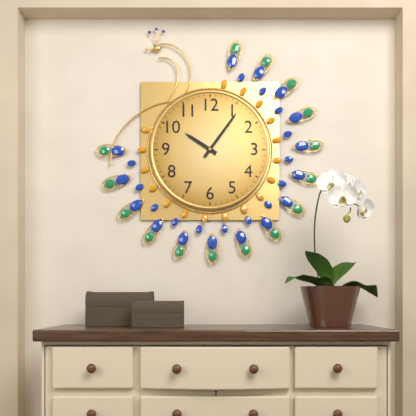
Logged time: 10 h 06 min
